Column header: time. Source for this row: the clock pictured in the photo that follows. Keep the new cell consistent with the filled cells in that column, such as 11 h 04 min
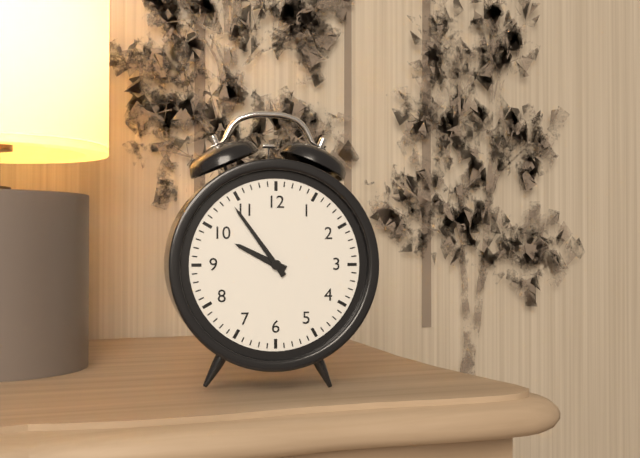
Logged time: 9 h 54 min
